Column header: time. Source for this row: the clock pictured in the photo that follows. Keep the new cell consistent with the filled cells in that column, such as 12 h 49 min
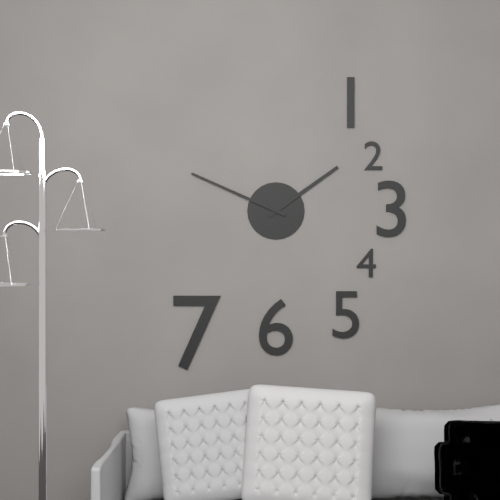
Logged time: 1 h 49 min
